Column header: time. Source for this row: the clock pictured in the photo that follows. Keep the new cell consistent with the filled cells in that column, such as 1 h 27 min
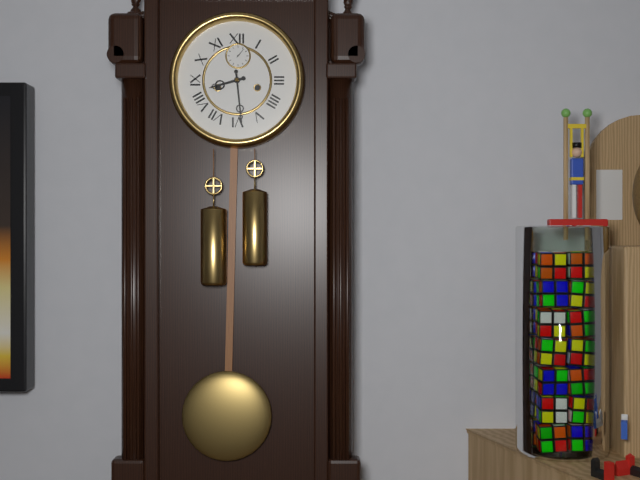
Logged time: 8 h 29 min
